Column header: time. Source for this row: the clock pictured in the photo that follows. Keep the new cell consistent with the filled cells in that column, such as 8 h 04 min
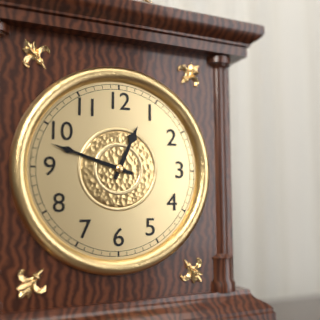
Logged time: 12 h 48 min
